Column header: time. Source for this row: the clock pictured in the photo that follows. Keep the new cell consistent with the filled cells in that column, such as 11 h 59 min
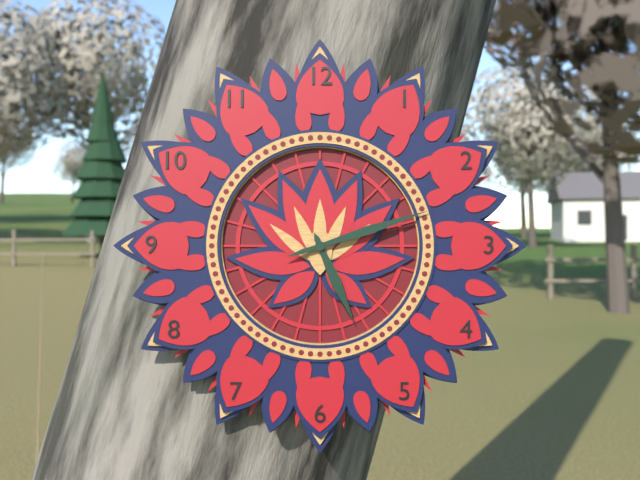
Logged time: 5 h 12 min
